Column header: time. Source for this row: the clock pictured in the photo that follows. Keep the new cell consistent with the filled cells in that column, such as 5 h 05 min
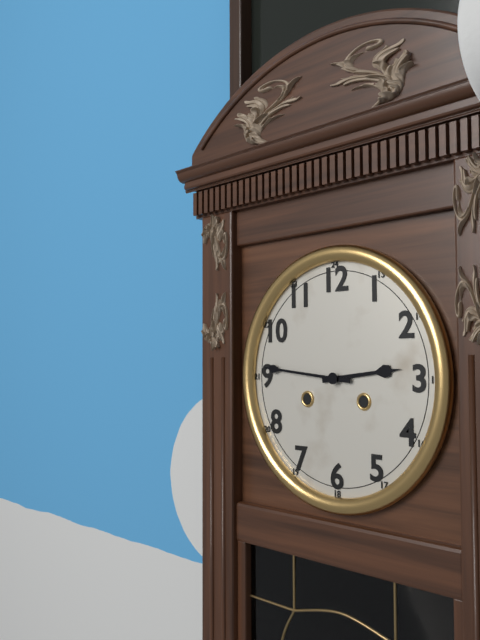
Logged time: 2 h 46 min
